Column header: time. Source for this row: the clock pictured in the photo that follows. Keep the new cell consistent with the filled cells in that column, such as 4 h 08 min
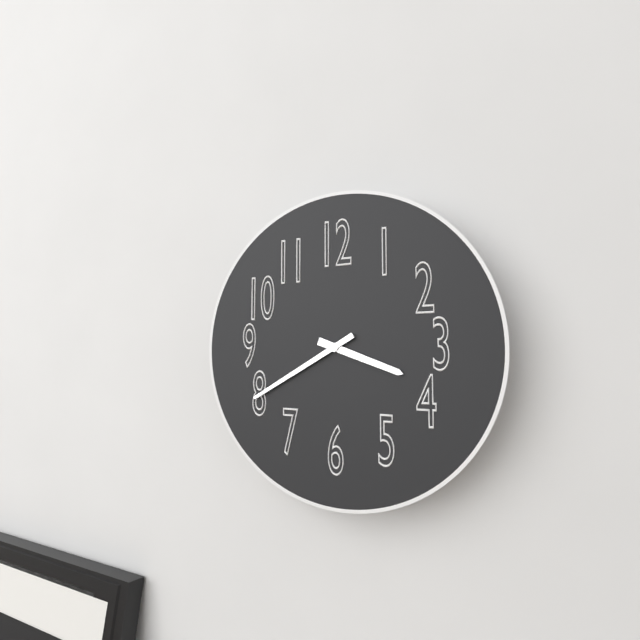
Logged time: 3 h 40 min
